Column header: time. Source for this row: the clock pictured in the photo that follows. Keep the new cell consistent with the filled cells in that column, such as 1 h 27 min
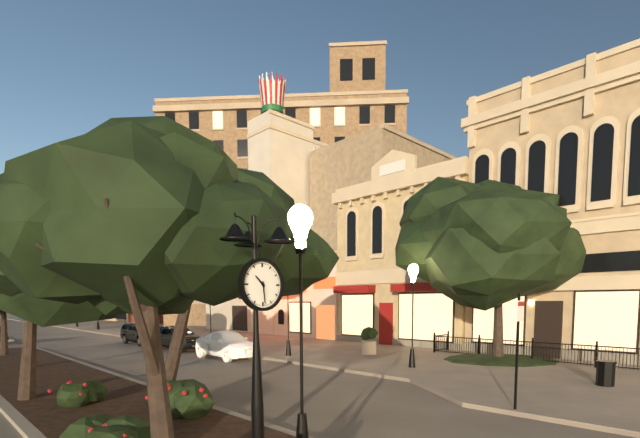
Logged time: 10 h 29 min
